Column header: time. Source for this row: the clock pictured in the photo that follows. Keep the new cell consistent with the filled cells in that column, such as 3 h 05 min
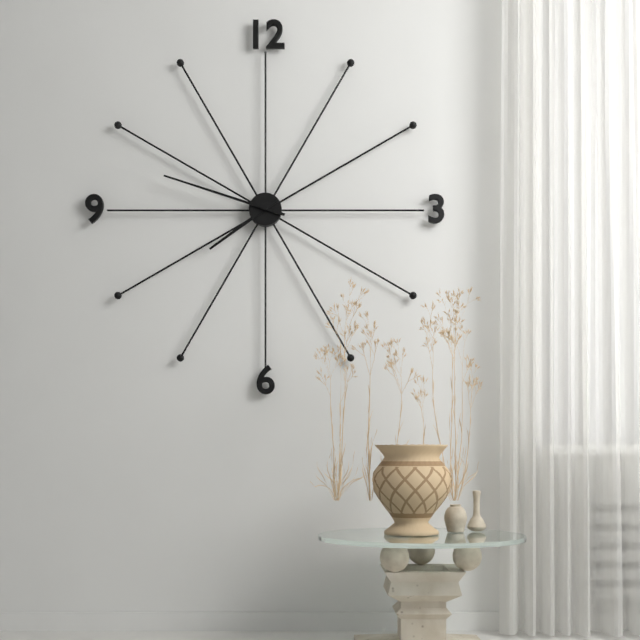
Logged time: 7 h 48 min
